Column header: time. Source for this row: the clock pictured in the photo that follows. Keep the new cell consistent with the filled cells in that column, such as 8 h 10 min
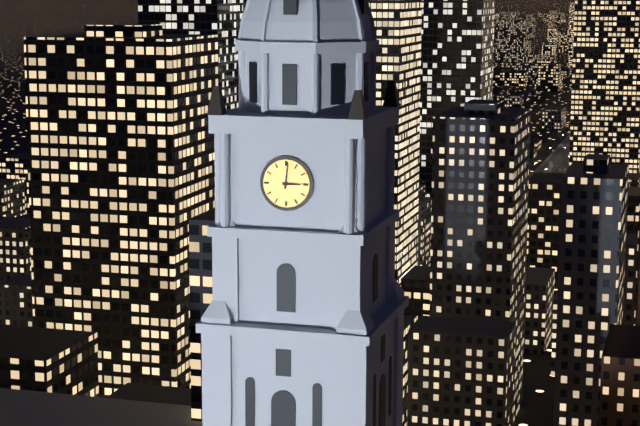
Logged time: 3 h 01 min
